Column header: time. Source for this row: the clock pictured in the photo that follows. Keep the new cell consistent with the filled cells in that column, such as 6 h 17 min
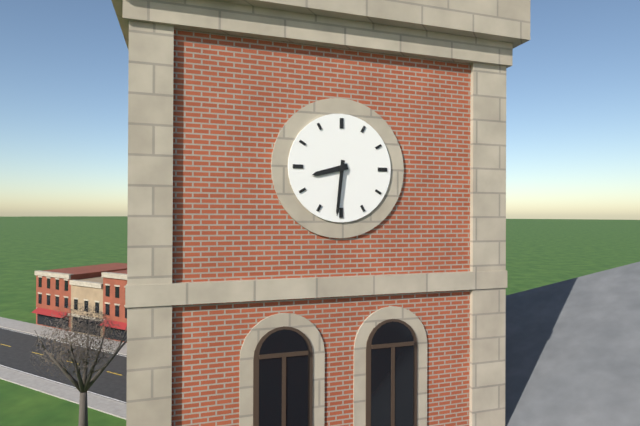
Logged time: 8 h 31 min
